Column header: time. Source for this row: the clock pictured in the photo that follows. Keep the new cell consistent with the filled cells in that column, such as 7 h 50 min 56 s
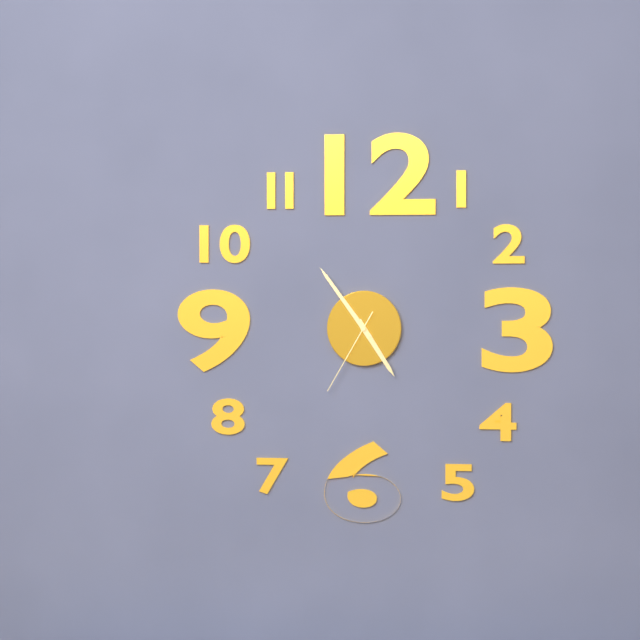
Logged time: 4 h 54 min 35 s
